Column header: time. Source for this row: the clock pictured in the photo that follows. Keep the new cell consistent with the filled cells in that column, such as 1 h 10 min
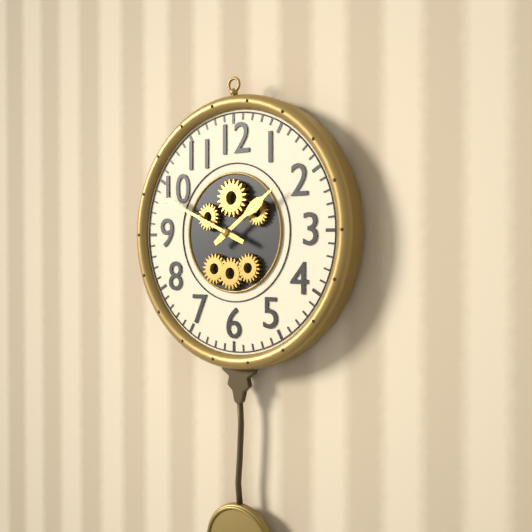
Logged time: 1 h 49 min
